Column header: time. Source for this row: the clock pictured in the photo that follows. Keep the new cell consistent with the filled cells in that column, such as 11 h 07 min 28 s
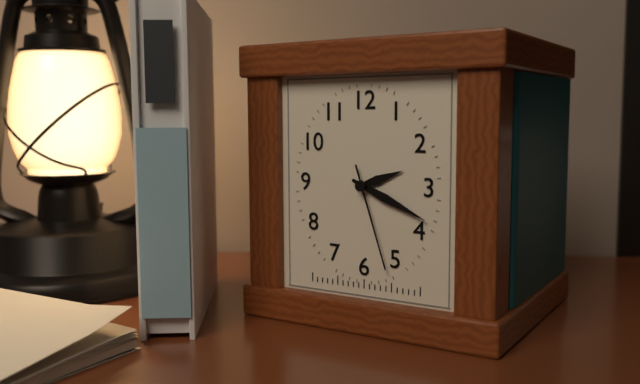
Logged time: 2 h 19 min 27 s
